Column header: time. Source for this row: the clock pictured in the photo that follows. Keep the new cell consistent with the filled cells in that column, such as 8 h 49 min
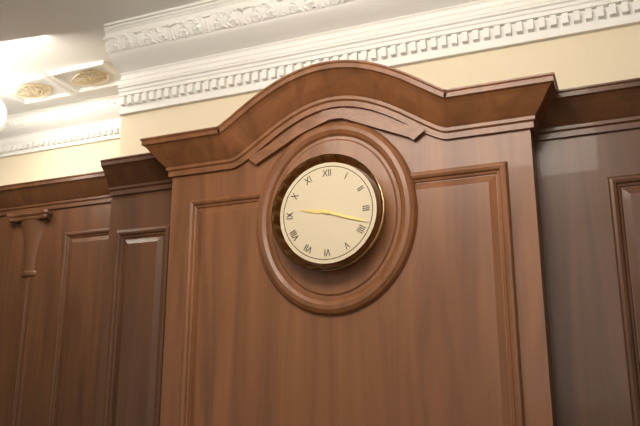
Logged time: 9 h 18 min
